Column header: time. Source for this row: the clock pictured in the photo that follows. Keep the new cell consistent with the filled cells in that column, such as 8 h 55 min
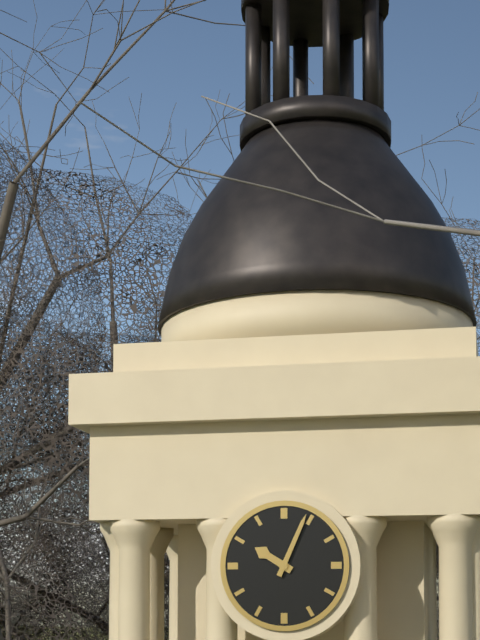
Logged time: 10 h 04 min
